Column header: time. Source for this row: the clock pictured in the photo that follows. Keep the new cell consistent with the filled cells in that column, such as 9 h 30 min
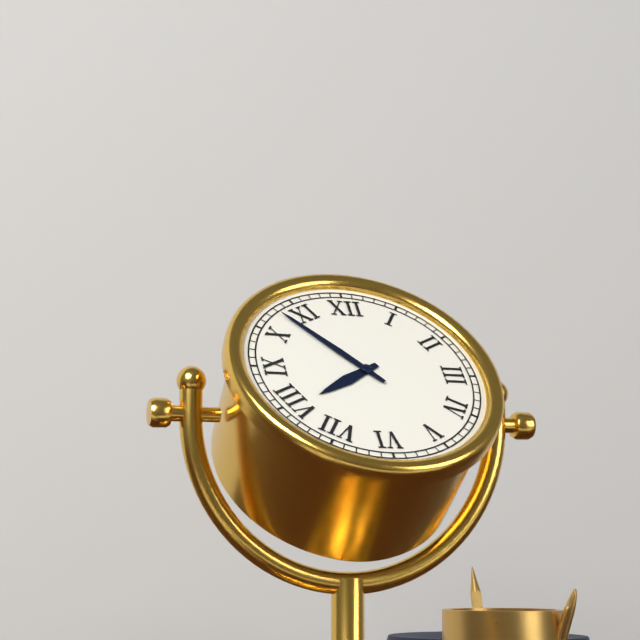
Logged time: 7 h 53 min
